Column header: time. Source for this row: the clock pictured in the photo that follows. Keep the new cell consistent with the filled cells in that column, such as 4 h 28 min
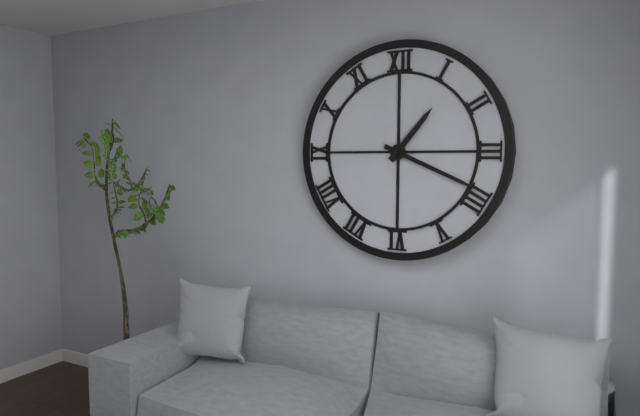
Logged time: 1 h 19 min
